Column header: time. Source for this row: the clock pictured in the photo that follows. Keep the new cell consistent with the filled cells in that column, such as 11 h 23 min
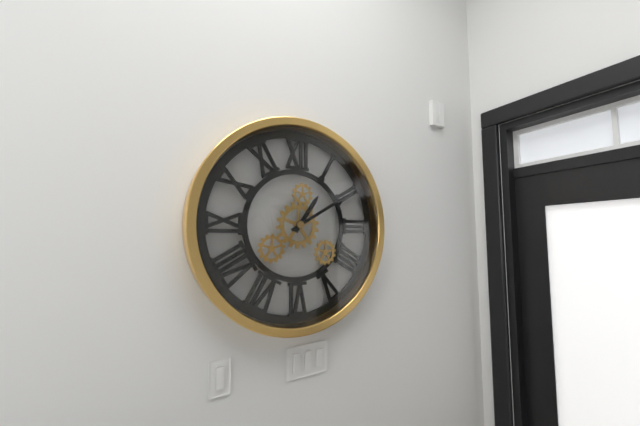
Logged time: 1 h 10 min
